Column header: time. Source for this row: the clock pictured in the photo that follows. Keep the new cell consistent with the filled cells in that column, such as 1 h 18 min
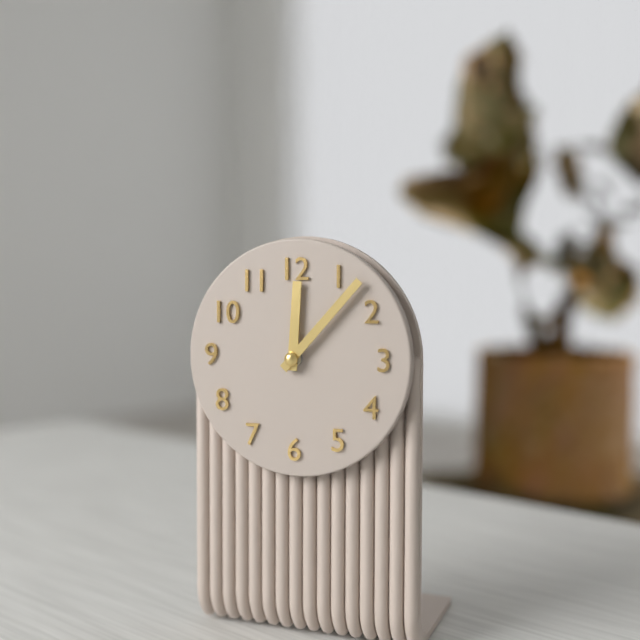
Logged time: 12 h 07 min
